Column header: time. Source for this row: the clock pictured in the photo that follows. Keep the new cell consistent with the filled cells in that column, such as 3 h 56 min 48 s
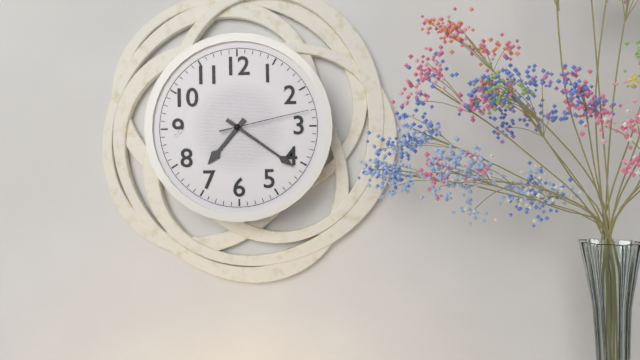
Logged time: 7 h 21 min 13 s
